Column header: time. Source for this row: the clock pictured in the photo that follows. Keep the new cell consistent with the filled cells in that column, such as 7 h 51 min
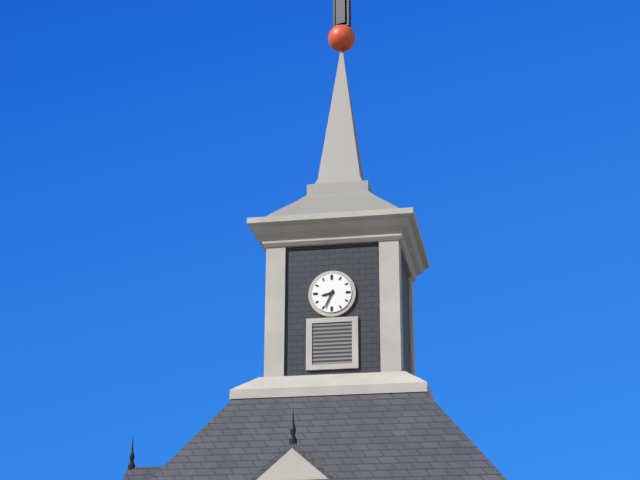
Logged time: 8 h 34 min
